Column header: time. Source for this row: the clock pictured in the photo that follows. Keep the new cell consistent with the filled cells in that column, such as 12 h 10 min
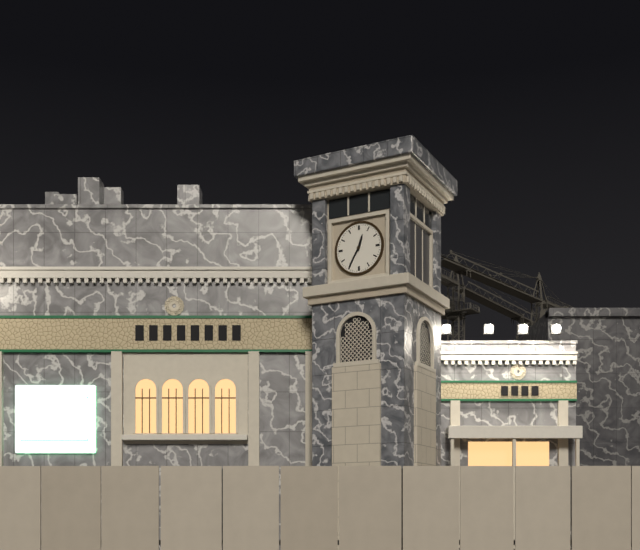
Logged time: 12 h 35 min
